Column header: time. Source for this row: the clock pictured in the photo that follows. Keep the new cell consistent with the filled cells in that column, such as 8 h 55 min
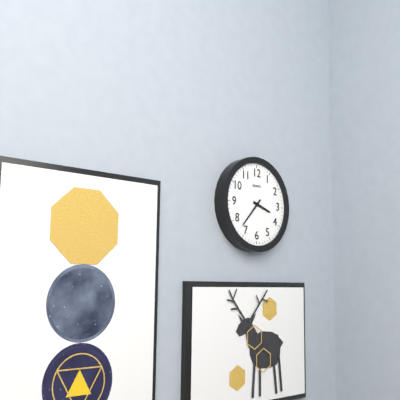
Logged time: 3 h 37 min
